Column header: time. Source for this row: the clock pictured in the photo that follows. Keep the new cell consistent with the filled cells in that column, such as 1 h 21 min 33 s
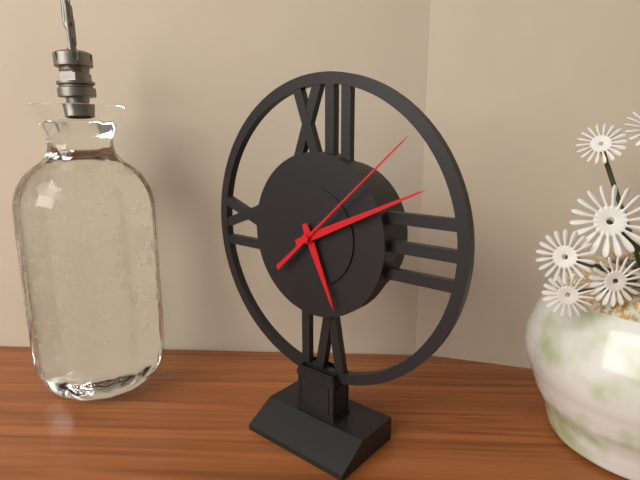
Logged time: 5 h 11 min 08 s
